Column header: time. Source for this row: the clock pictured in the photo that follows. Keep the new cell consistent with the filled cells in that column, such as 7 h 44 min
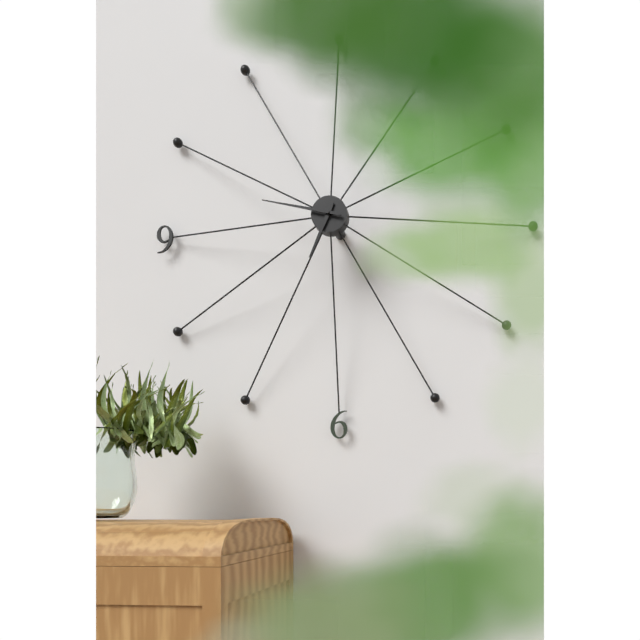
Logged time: 6 h 47 min
